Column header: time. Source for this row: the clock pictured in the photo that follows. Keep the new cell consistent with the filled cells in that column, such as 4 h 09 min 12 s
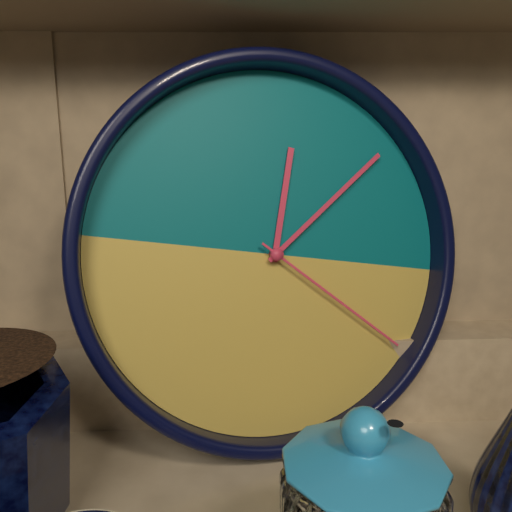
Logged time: 12 h 07 min 20 s
